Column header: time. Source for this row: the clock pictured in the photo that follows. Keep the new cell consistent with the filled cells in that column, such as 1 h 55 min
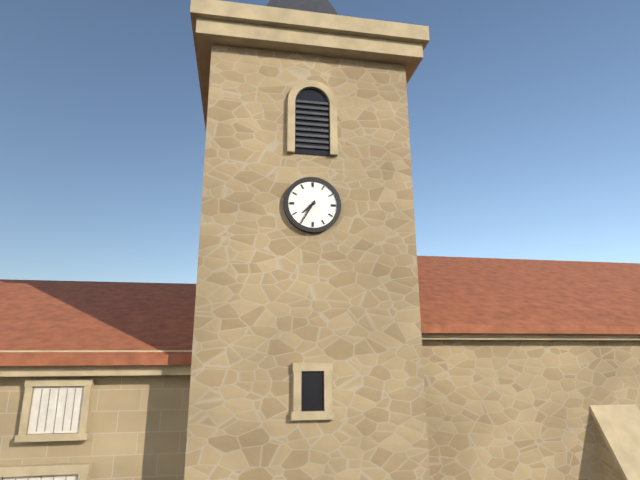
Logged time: 7 h 35 min
